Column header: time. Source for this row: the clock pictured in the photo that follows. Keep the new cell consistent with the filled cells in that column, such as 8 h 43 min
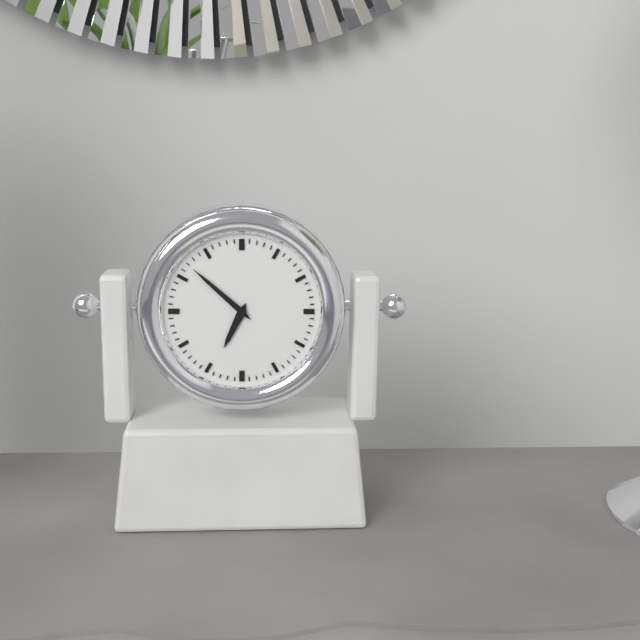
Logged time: 6 h 52 min
